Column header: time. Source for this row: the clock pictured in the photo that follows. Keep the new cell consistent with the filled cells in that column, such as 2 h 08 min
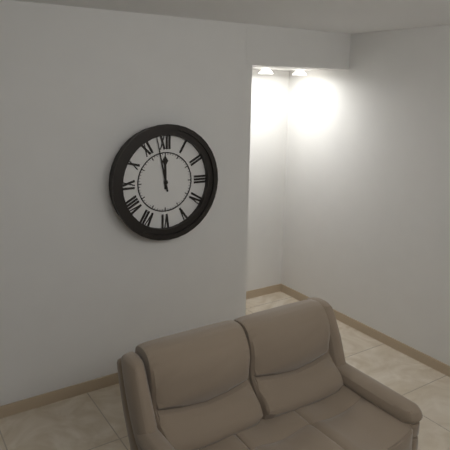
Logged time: 11 h 58 min
